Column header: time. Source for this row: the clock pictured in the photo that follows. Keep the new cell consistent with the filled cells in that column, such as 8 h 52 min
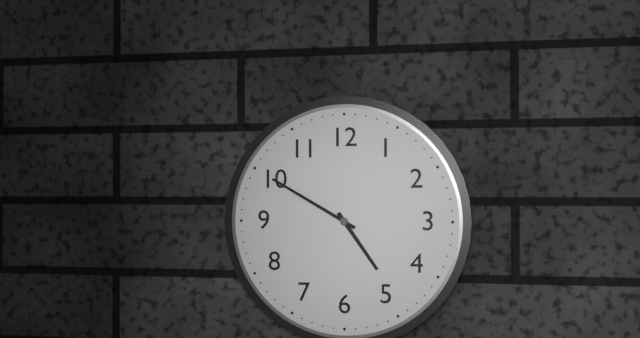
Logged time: 4 h 50 min
